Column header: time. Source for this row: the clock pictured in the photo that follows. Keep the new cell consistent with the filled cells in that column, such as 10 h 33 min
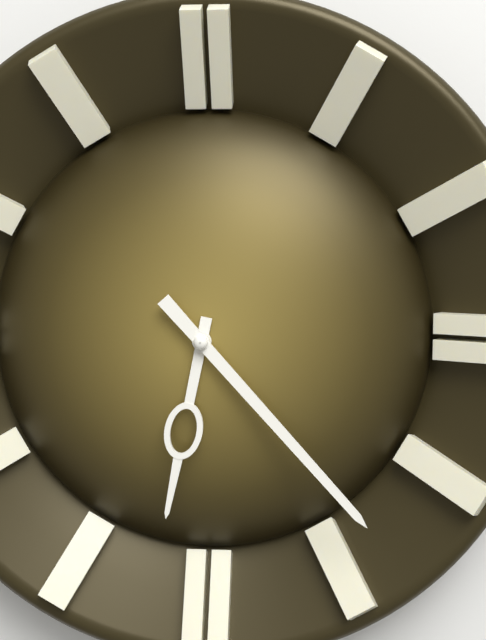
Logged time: 6 h 23 min
